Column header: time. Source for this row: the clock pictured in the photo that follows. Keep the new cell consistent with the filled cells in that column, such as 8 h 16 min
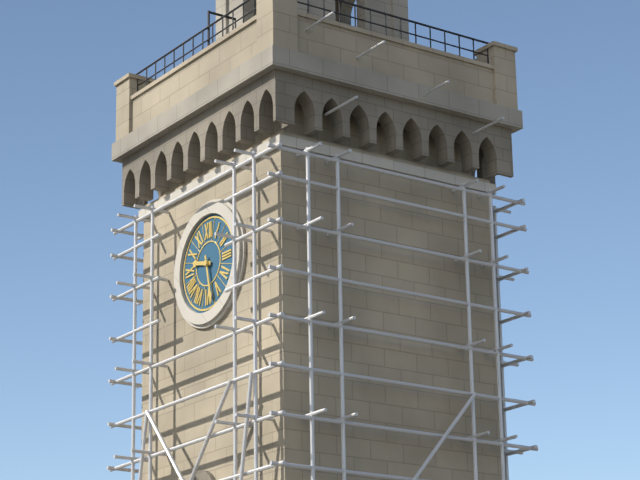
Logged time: 9 h 28 min
